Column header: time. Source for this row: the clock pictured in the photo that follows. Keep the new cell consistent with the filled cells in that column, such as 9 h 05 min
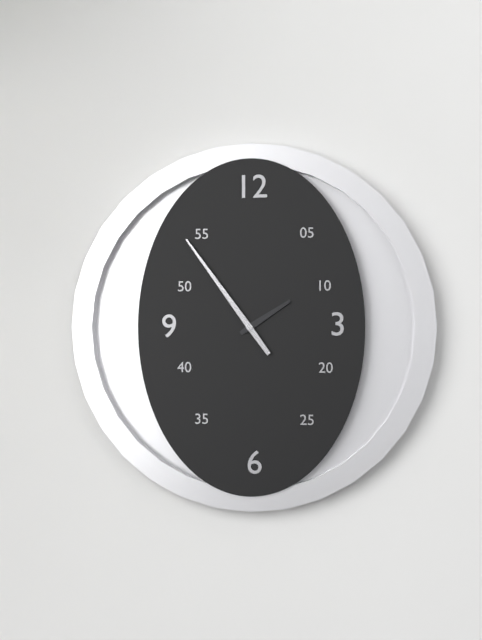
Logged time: 1 h 54 min
